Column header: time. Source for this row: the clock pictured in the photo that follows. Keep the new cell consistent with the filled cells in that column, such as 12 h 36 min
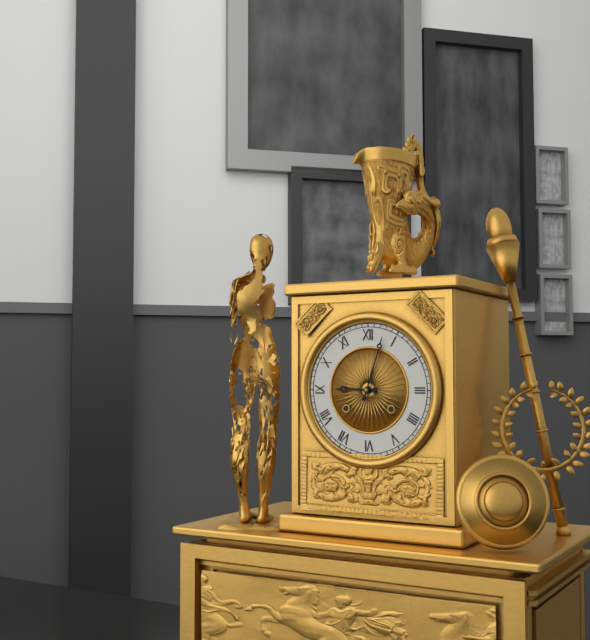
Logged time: 9 h 03 min
